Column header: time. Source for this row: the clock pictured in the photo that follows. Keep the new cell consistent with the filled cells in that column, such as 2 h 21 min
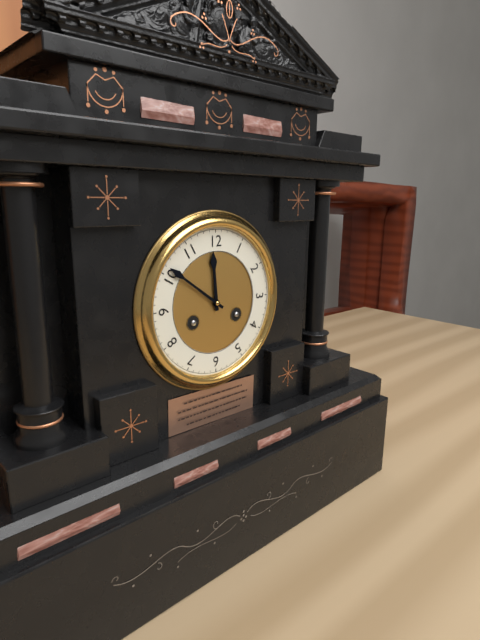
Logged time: 11 h 51 min
